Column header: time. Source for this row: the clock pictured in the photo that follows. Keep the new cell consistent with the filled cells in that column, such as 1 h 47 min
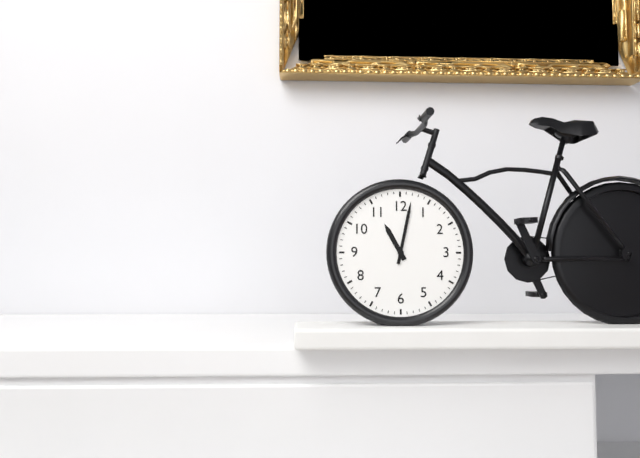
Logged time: 11 h 02 min
